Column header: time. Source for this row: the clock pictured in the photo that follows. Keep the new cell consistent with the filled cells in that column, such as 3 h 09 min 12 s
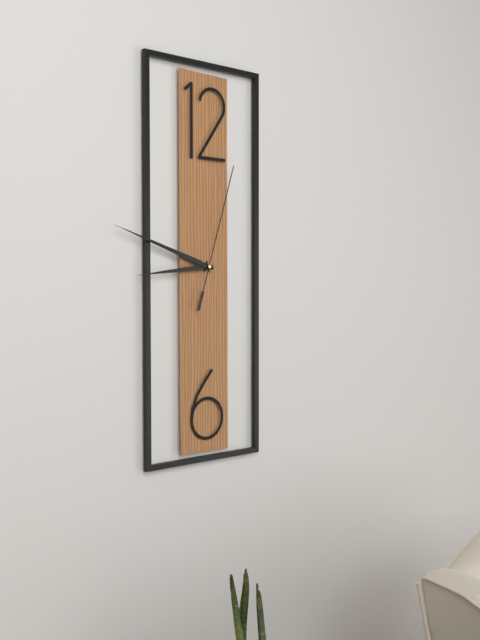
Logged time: 8 h 48 min 03 s
